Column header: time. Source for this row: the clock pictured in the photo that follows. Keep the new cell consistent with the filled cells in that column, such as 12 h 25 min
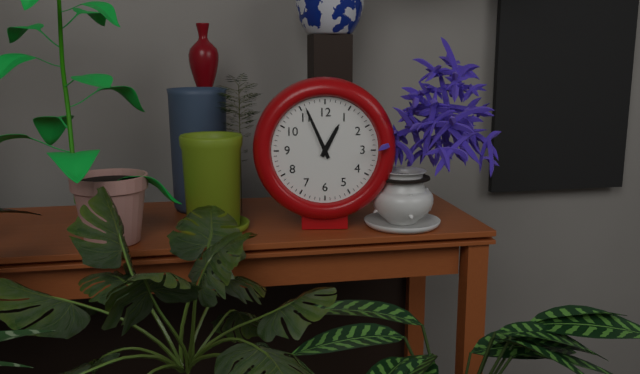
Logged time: 12 h 56 min
